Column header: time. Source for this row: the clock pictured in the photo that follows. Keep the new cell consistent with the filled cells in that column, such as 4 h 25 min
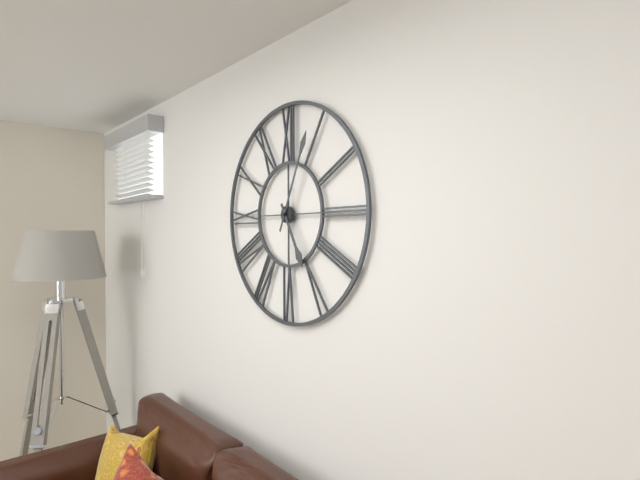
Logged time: 5 h 04 min
